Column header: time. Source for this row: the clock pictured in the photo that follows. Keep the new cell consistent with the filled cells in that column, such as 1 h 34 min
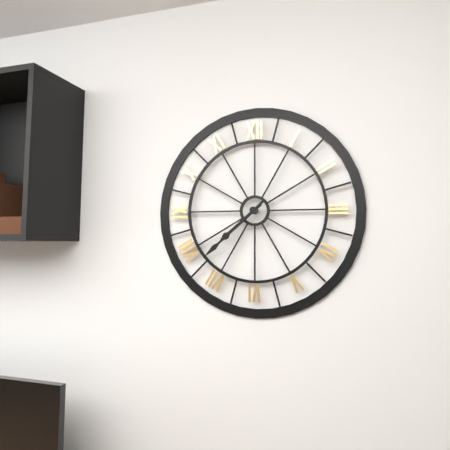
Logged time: 7 h 38 min
